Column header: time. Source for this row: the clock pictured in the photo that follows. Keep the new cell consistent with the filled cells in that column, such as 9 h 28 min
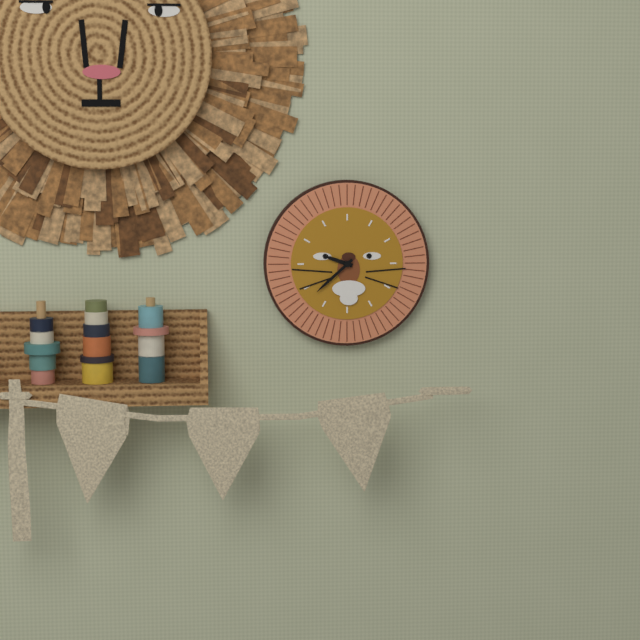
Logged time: 9 h 38 min
